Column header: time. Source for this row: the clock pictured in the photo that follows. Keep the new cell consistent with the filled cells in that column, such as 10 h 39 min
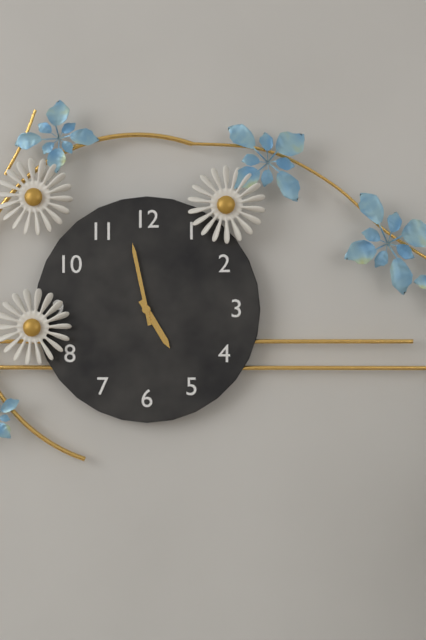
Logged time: 4 h 58 min
